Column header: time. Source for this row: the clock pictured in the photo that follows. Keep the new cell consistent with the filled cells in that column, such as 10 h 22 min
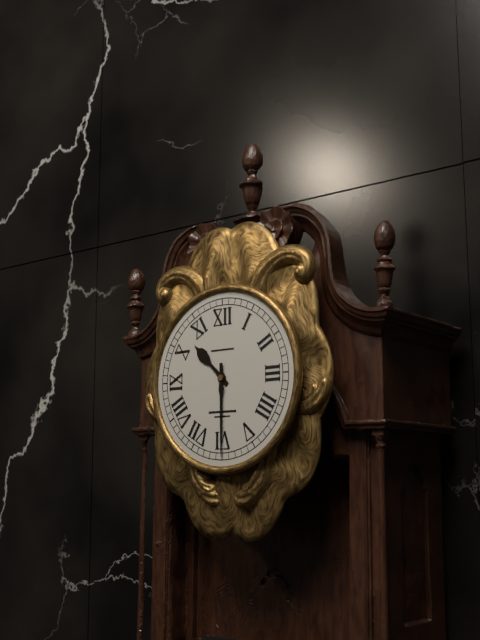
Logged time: 10 h 30 min
